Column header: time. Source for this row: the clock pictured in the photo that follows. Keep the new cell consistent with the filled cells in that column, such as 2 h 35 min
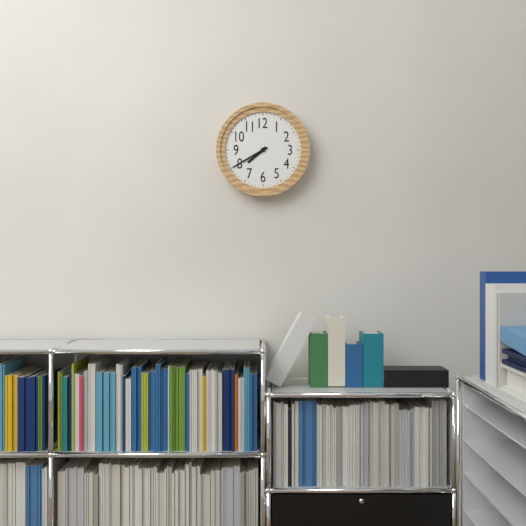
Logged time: 7 h 40 min
